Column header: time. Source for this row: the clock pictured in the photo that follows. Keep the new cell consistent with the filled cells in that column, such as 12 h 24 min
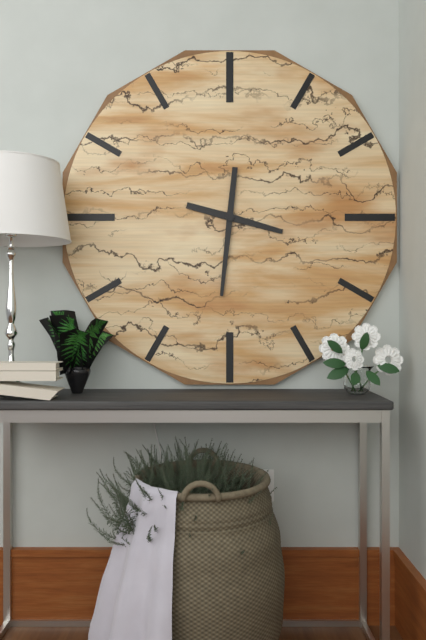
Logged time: 3 h 31 min
